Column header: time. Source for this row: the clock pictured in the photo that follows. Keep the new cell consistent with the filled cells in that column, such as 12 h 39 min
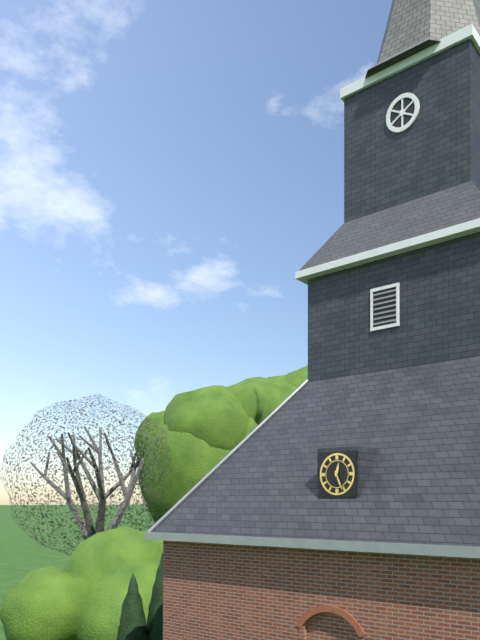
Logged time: 12 h 26 min
